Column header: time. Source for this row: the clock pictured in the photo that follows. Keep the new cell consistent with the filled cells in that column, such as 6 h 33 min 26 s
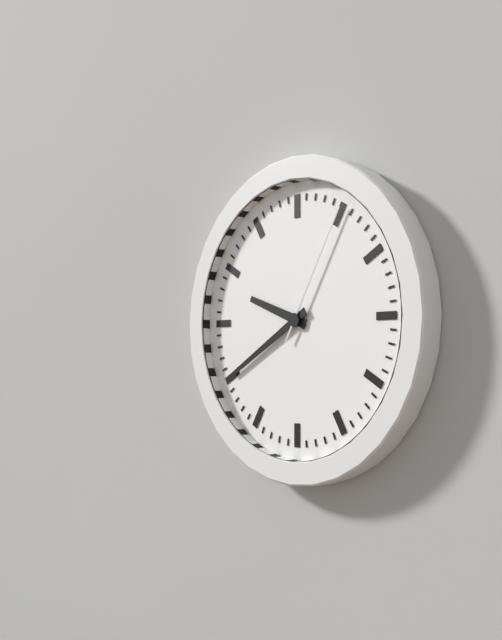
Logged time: 9 h 40 min 05 s
